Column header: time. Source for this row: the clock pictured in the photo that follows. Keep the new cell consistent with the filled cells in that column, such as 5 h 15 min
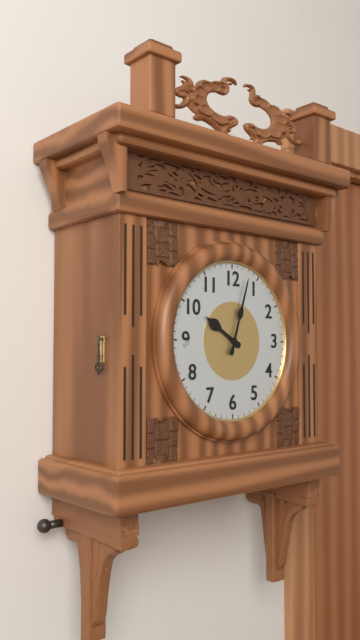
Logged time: 10 h 03 min
